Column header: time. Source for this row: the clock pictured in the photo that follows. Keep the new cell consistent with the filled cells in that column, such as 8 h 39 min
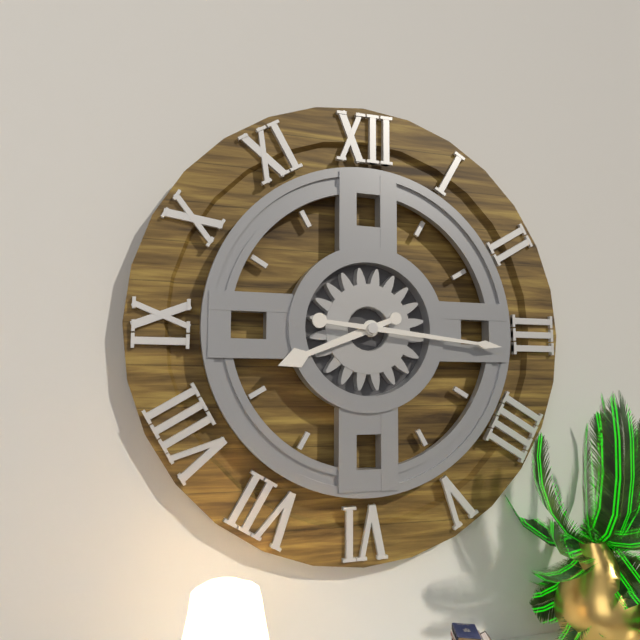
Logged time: 8 h 16 min
